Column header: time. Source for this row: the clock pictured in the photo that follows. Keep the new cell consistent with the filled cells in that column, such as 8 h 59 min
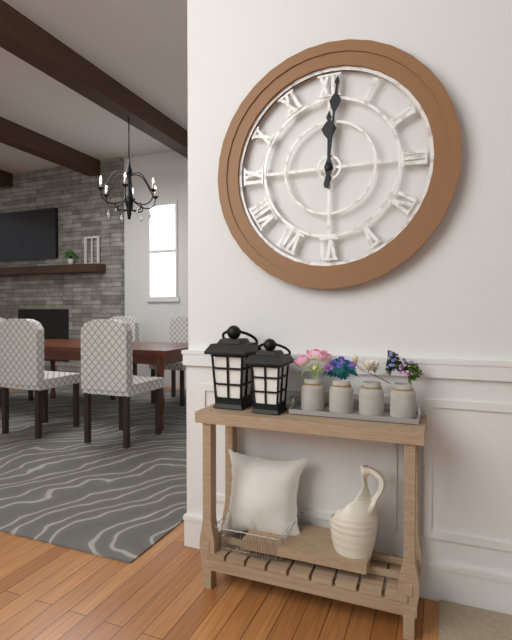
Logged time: 12 h 01 min
